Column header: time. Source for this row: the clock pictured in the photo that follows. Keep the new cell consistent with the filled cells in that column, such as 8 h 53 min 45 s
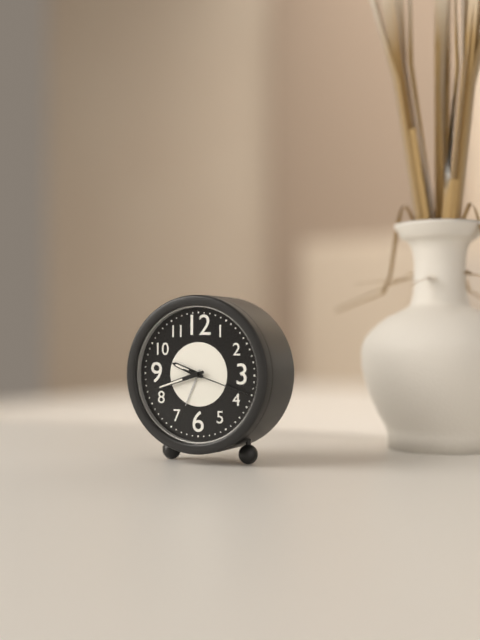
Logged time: 9 h 42 min 18 s
